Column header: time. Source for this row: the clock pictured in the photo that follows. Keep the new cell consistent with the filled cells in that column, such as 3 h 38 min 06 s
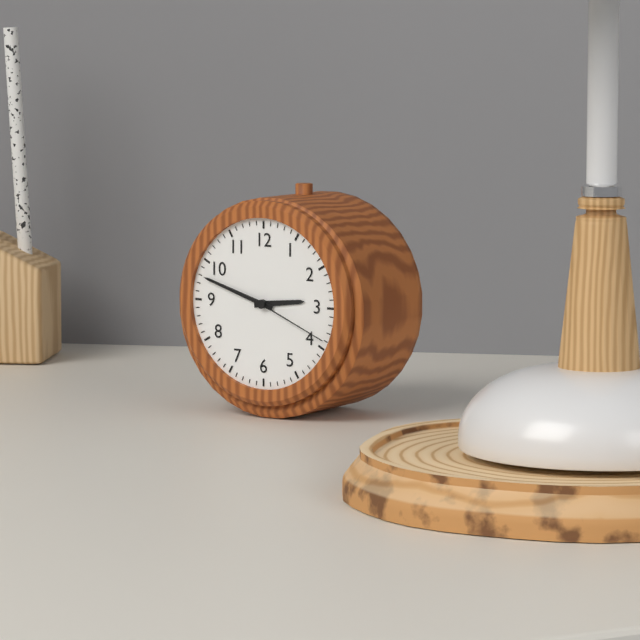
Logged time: 2 h 48 min 19 s
